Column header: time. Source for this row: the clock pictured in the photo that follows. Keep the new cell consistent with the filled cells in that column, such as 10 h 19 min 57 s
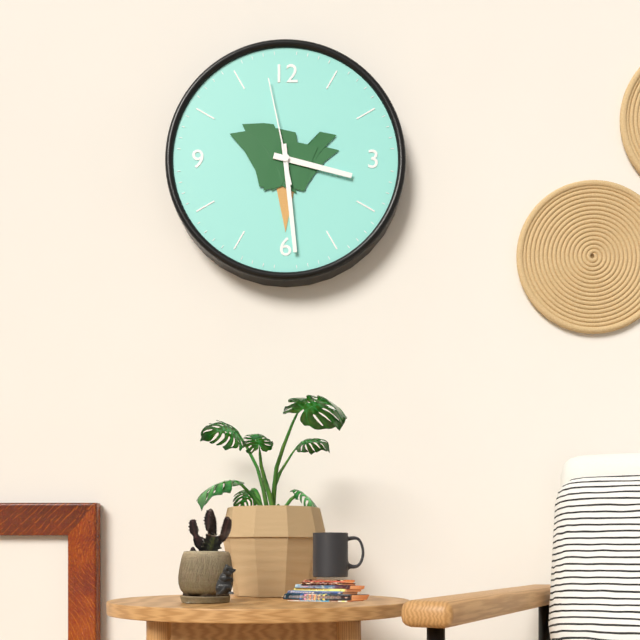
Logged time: 3 h 29 min 58 s
